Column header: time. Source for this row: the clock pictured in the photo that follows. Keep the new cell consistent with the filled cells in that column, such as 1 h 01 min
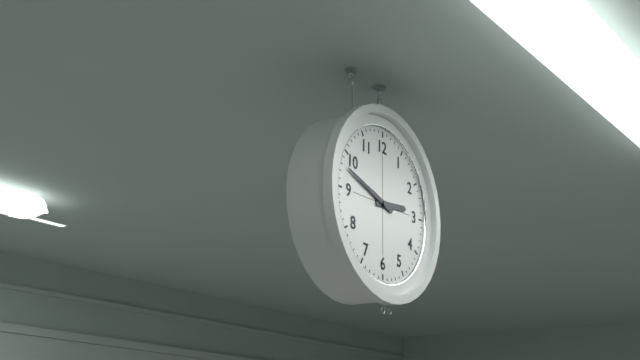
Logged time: 2 h 48 min
